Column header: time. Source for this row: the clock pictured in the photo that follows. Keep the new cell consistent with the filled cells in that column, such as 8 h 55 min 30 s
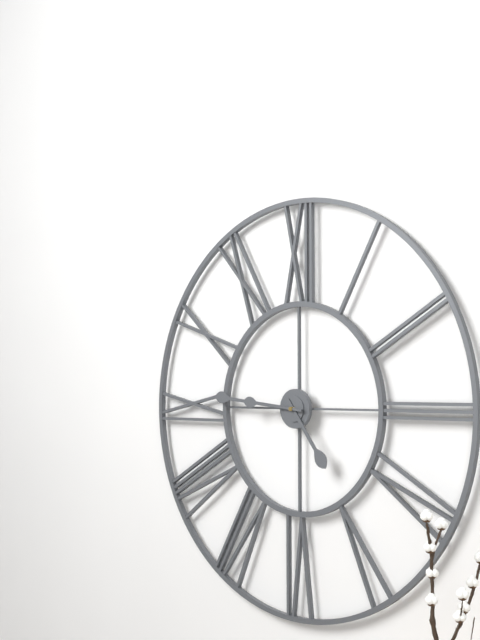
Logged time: 4 h 46 min 46 s
